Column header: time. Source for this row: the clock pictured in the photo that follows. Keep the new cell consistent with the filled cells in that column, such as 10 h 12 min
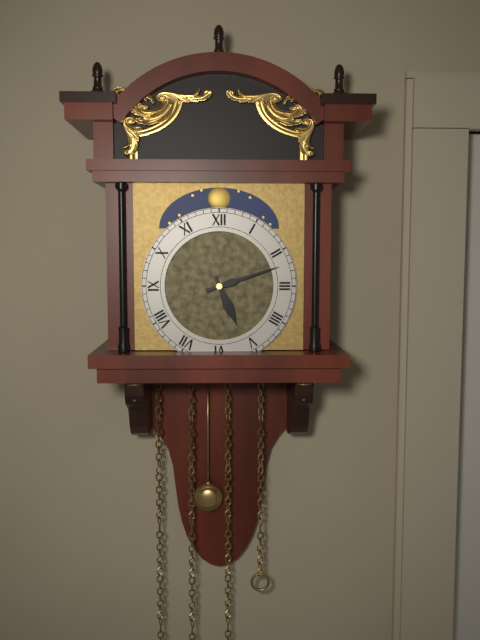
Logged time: 5 h 12 min
